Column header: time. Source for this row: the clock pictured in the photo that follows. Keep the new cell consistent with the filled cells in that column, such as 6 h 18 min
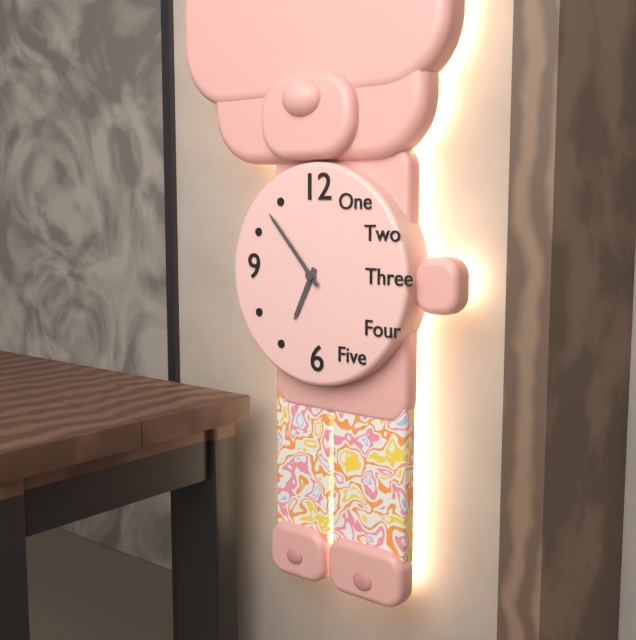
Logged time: 6 h 53 min
